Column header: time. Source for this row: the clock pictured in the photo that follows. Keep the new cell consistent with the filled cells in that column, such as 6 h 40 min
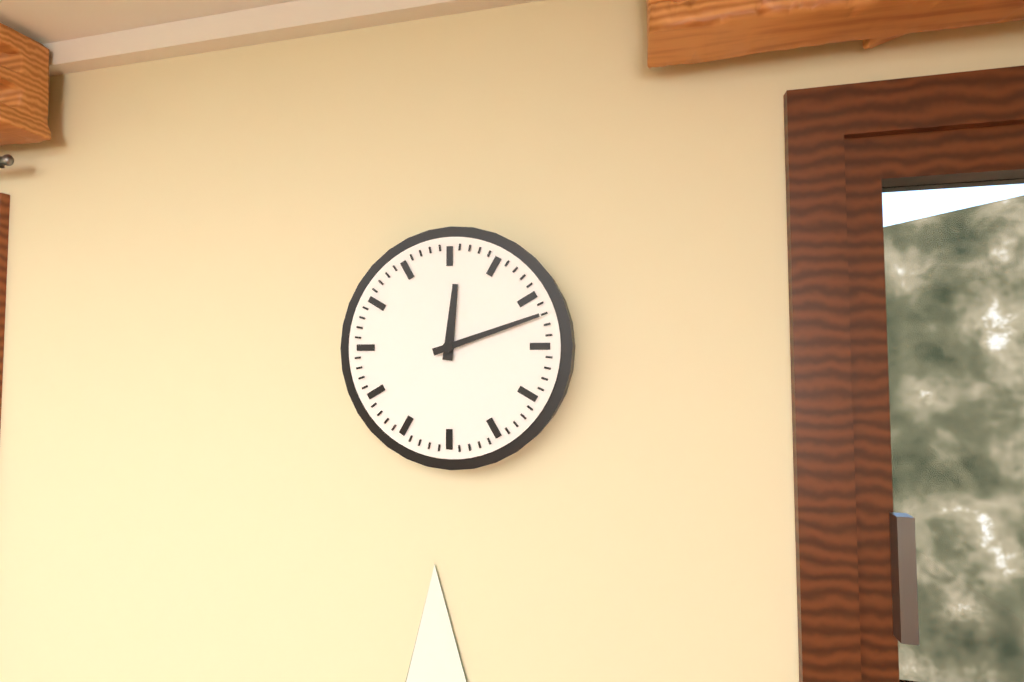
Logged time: 12 h 12 min
